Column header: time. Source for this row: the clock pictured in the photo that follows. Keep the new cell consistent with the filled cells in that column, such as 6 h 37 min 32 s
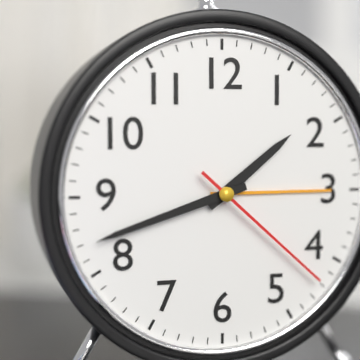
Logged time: 1 h 42 min 22 s
